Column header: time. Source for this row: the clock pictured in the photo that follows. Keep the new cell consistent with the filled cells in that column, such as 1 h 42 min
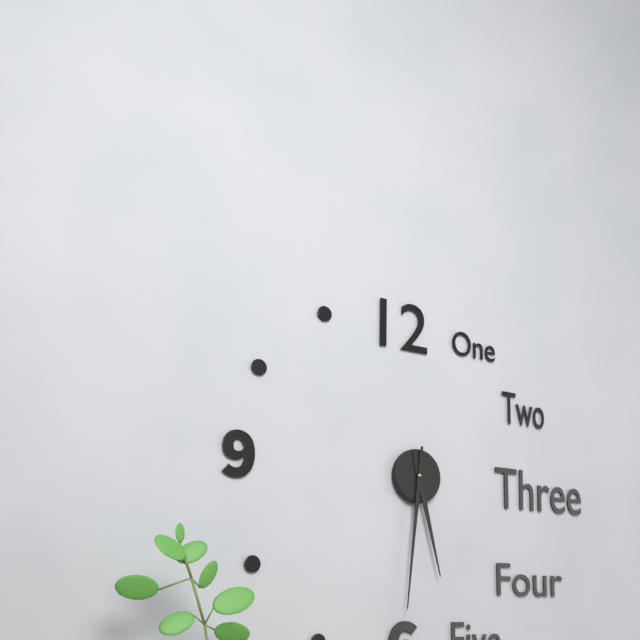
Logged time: 5 h 31 min
